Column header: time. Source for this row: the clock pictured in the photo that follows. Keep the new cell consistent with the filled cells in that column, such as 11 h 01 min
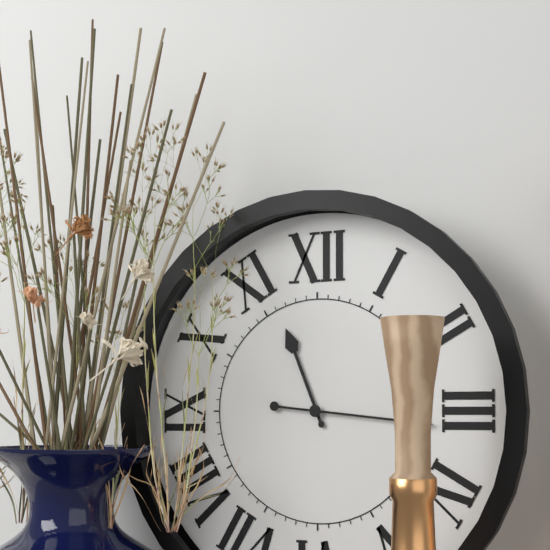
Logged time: 11 h 16 min
